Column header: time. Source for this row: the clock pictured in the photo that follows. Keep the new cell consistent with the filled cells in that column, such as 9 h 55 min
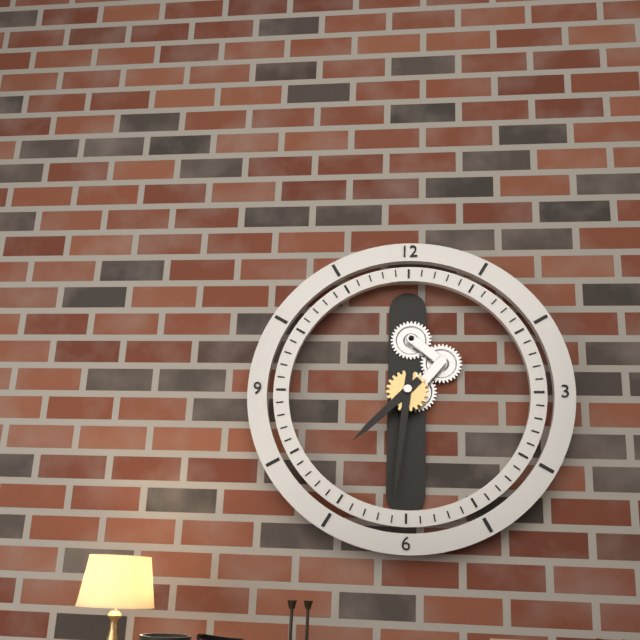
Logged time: 7 h 31 min
